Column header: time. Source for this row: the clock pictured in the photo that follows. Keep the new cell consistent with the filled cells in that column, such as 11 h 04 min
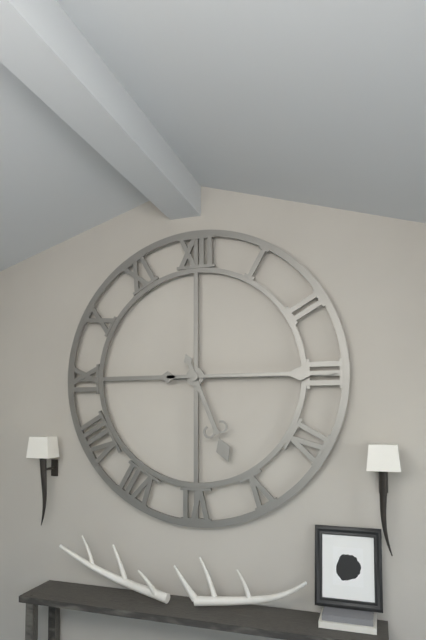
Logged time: 5 h 15 min
